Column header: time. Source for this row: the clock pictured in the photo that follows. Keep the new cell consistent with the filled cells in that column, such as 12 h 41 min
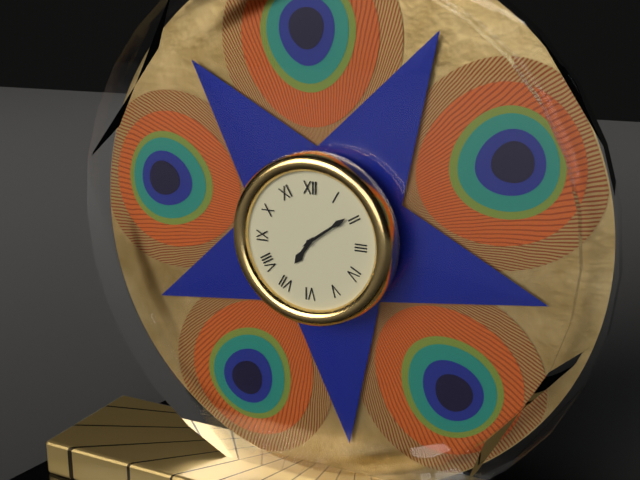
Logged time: 7 h 09 min
